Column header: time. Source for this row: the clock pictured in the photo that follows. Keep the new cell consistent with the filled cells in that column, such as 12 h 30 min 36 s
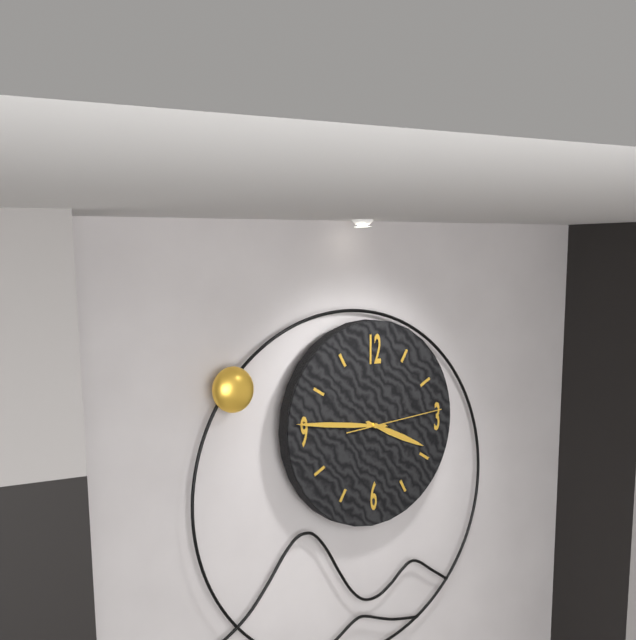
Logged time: 3 h 46 min 14 s
